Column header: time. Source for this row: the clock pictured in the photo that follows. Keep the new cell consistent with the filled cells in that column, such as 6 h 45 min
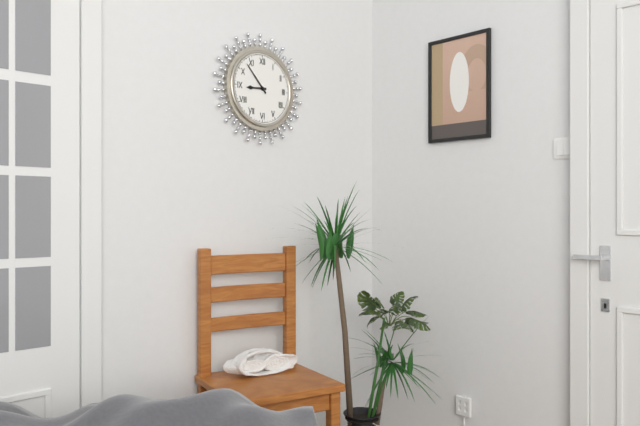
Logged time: 8 h 53 min
